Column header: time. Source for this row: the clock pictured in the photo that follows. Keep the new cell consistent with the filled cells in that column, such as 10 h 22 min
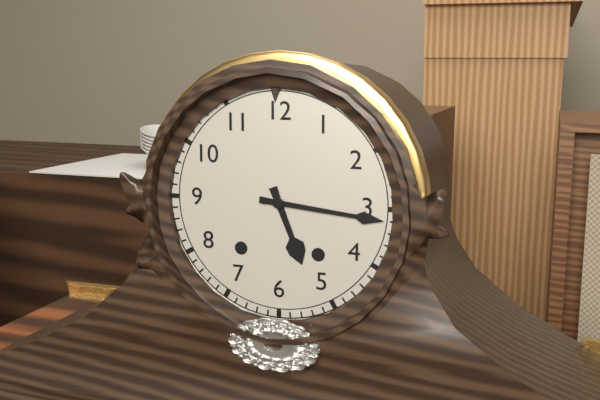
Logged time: 5 h 16 min
